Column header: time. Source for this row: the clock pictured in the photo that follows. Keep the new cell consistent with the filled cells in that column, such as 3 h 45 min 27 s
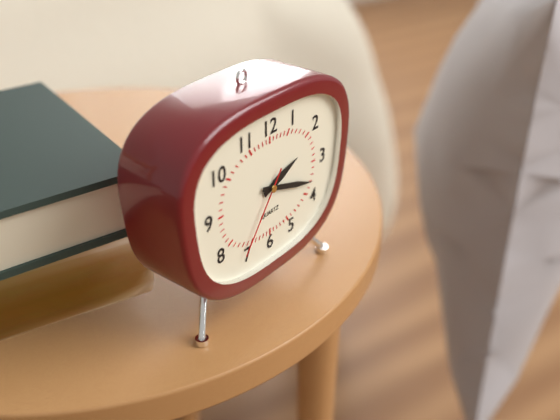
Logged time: 2 h 18 min 36 s
